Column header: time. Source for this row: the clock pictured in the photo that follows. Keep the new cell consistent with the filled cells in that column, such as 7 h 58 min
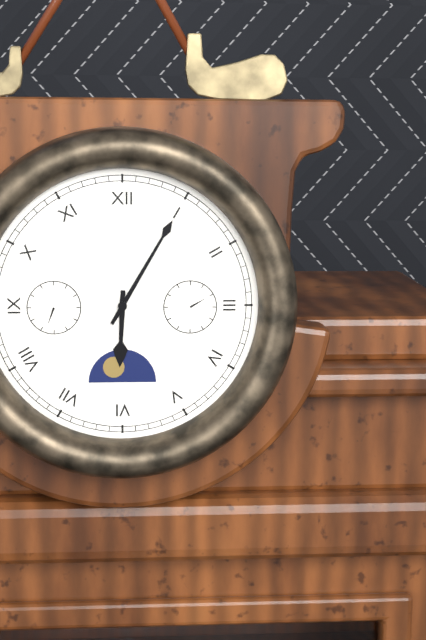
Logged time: 6 h 05 min
